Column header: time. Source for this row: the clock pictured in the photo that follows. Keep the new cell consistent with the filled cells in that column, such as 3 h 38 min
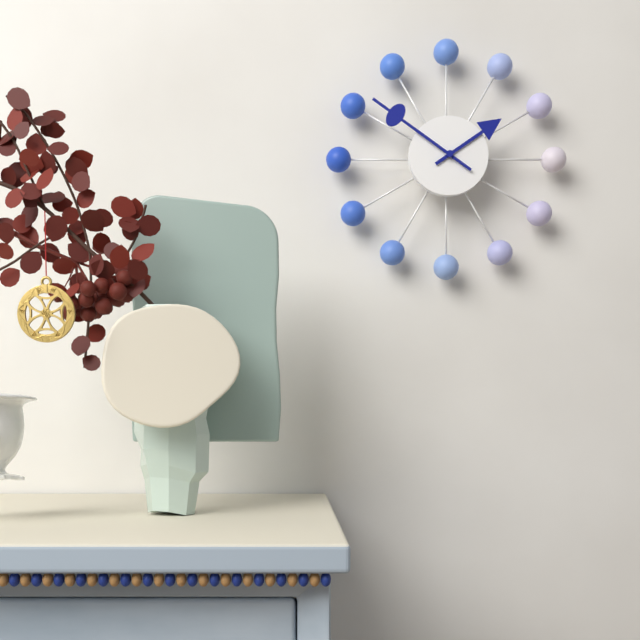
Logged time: 1 h 51 min
